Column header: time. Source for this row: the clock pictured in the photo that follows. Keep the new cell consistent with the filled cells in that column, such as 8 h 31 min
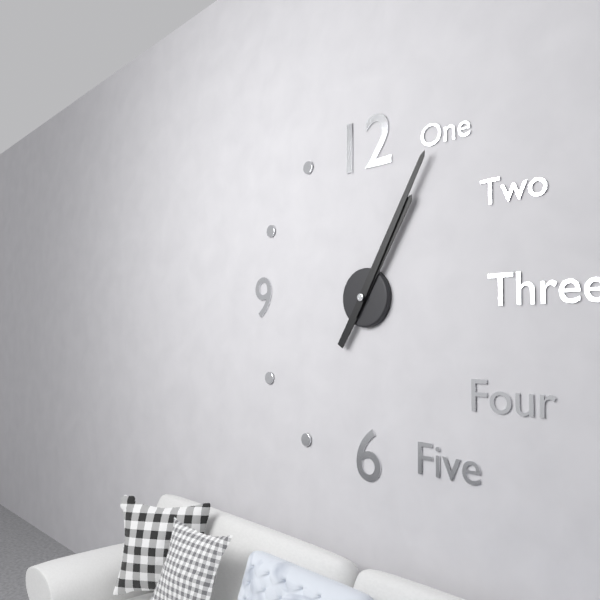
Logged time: 1 h 05 min
